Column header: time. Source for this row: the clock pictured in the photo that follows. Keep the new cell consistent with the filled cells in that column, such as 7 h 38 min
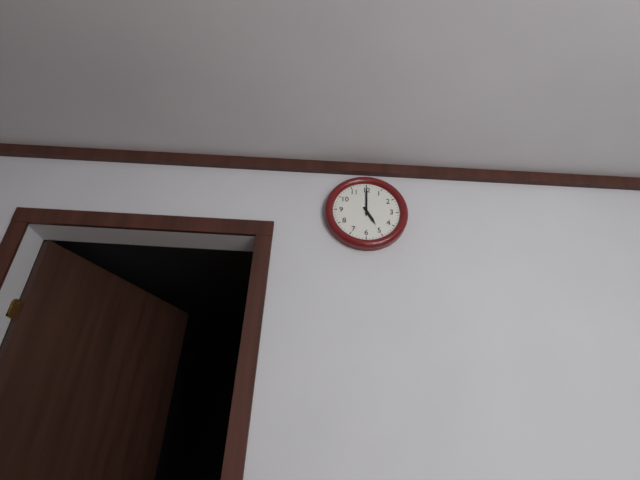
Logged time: 5 h 00 min
